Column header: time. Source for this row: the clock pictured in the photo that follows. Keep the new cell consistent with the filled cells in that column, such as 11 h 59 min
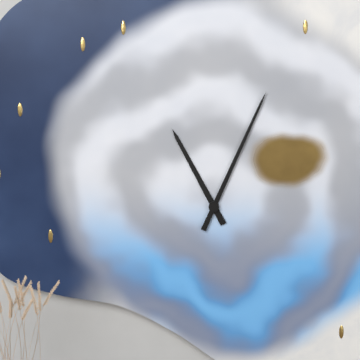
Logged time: 11 h 04 min
